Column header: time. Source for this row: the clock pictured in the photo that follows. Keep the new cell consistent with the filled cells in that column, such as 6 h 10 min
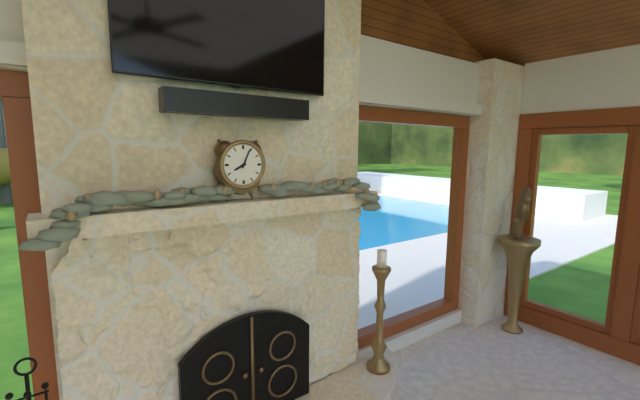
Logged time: 8 h 04 min
